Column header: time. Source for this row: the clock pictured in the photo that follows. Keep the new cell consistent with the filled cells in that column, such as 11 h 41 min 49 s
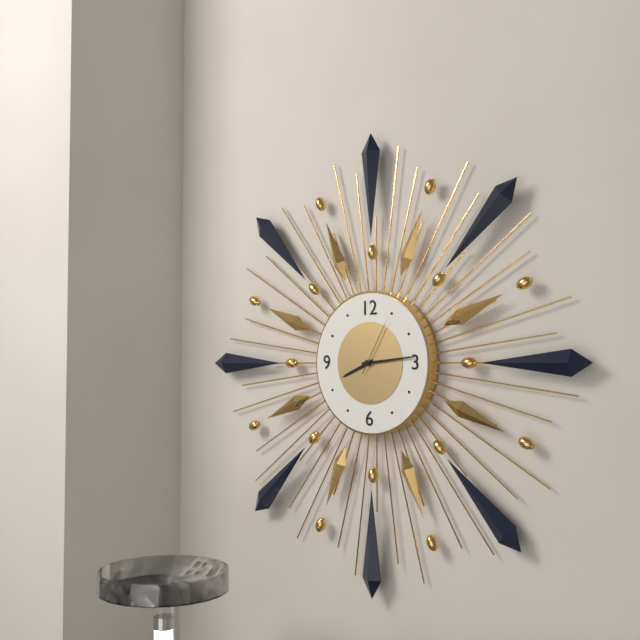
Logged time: 8 h 14 min 05 s
